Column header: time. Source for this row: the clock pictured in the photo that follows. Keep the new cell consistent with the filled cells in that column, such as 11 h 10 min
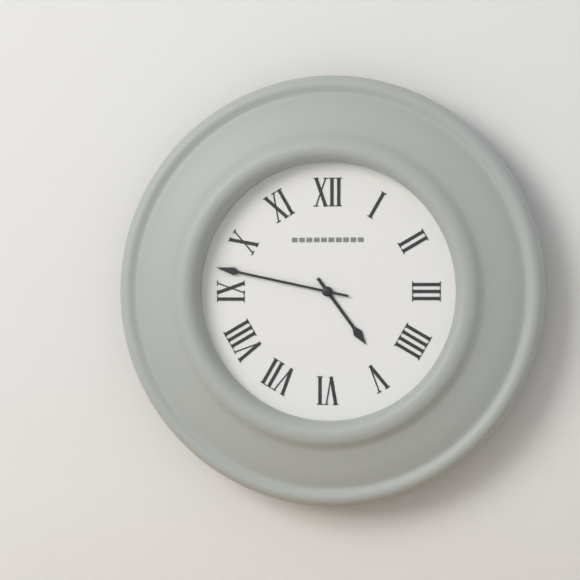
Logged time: 4 h 47 min
